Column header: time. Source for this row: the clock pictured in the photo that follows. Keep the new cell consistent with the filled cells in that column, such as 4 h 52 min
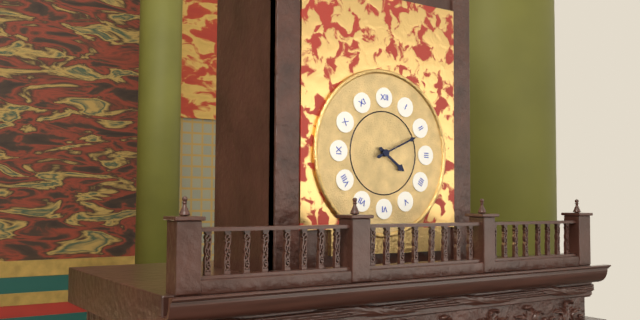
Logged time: 4 h 11 min
